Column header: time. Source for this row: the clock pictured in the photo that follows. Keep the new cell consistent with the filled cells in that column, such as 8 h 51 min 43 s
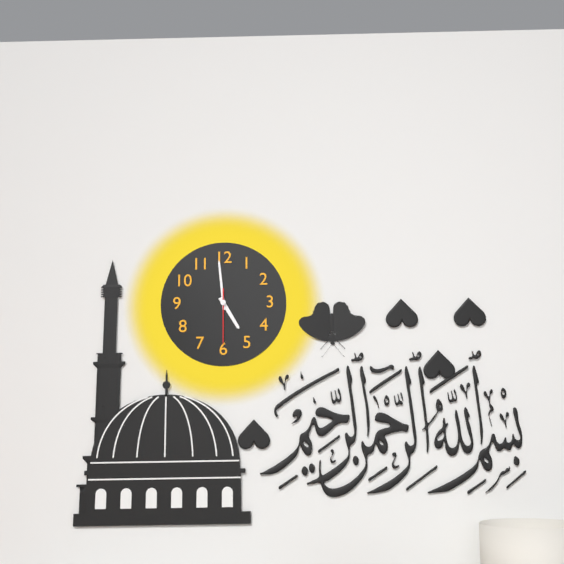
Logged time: 4 h 59 min 30 s
